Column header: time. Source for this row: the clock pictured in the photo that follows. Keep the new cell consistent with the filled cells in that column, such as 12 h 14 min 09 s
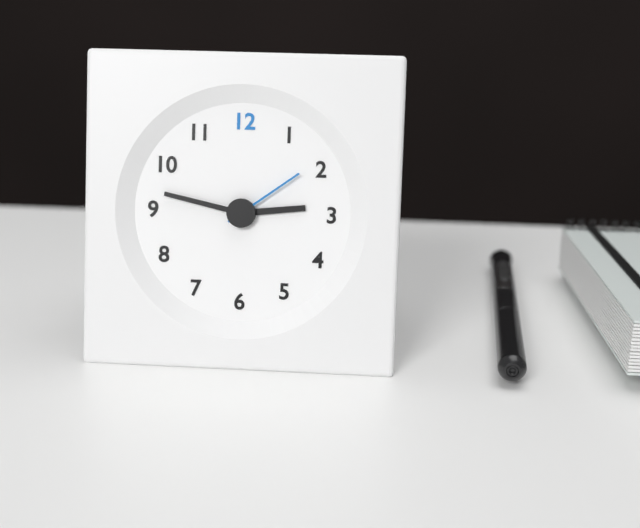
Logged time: 2 h 47 min 09 s
